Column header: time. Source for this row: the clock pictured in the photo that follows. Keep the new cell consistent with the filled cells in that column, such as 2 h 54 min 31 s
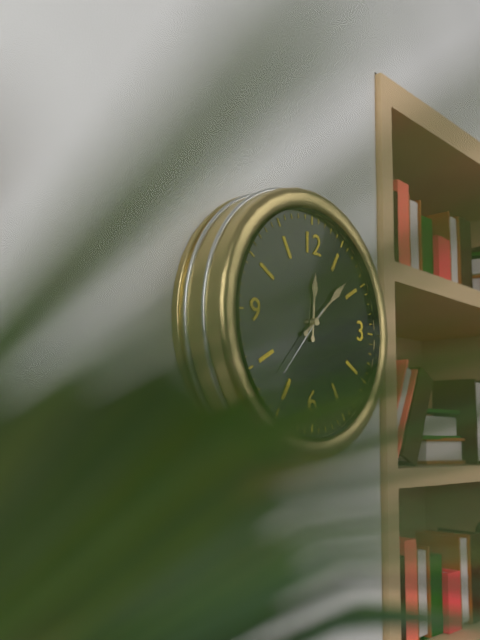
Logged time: 12 h 08 min 37 s
